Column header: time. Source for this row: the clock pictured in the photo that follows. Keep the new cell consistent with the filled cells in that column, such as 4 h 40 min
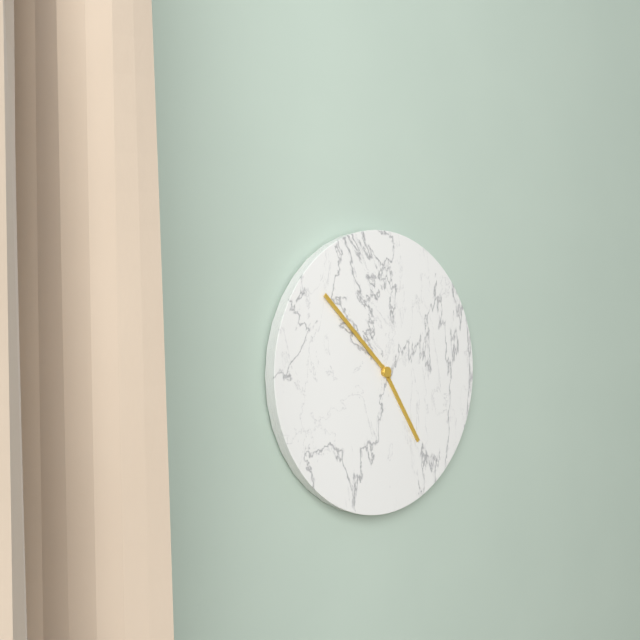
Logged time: 4 h 52 min
